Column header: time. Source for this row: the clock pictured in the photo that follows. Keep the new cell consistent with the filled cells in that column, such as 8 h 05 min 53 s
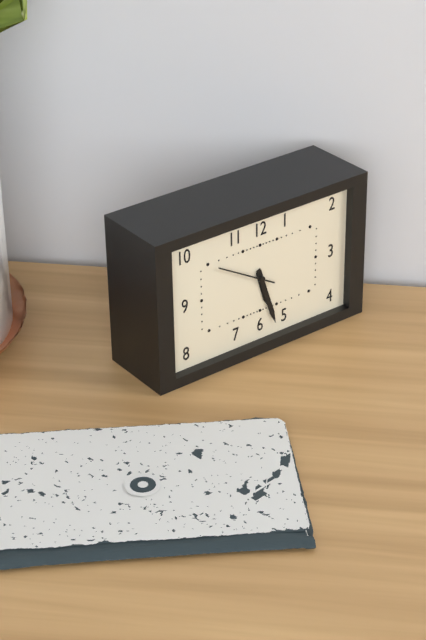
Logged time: 5 h 27 min 50 s
